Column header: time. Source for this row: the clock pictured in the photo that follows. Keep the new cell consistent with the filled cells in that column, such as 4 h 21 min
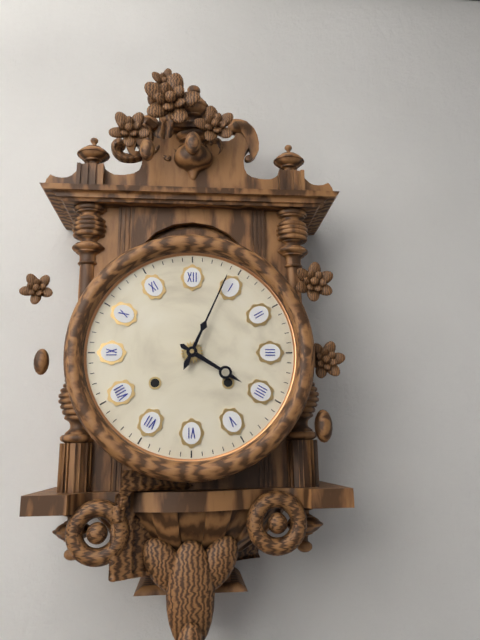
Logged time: 4 h 04 min
